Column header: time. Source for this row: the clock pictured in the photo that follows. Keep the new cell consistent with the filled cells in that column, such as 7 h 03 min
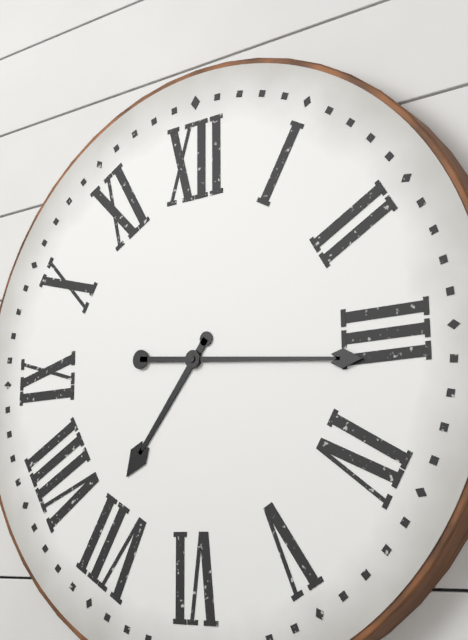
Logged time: 7 h 16 min
